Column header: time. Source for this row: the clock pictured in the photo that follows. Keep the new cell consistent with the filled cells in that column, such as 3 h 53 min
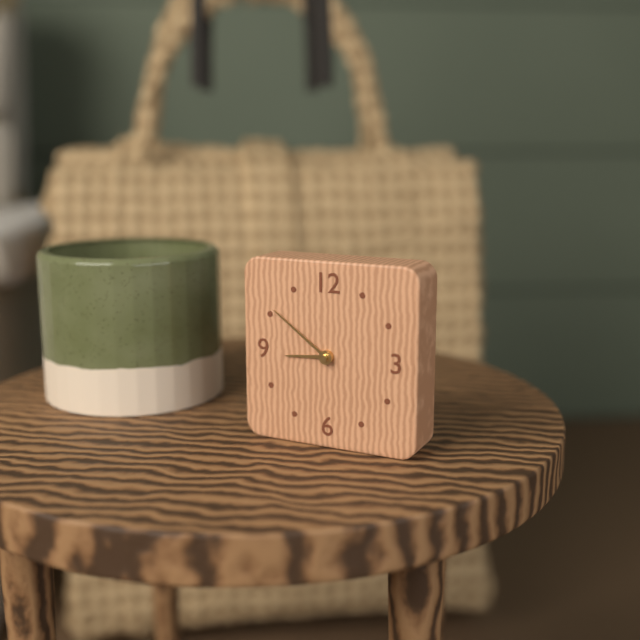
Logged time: 8 h 51 min
